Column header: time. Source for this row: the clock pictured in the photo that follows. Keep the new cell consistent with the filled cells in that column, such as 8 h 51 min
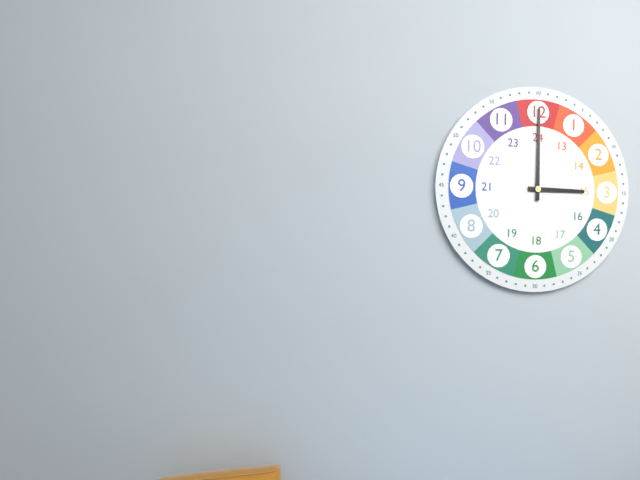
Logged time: 3 h 00 min
